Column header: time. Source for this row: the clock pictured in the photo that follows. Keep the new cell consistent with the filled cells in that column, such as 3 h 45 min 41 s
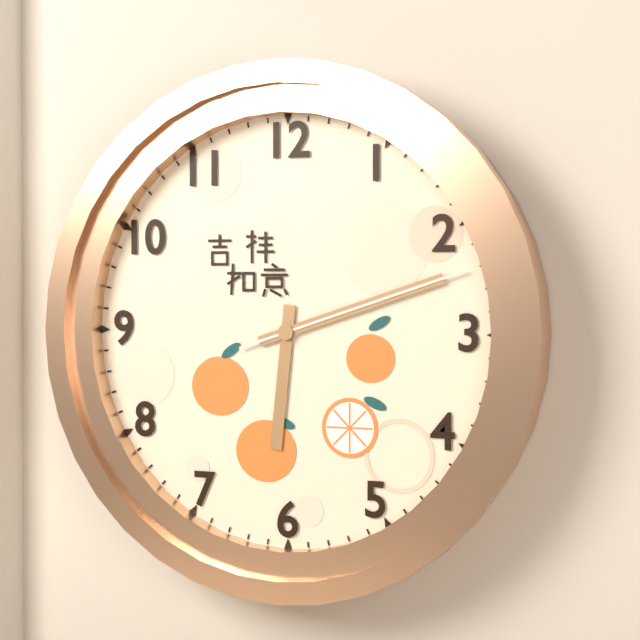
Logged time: 6 h 12 min 12 s
